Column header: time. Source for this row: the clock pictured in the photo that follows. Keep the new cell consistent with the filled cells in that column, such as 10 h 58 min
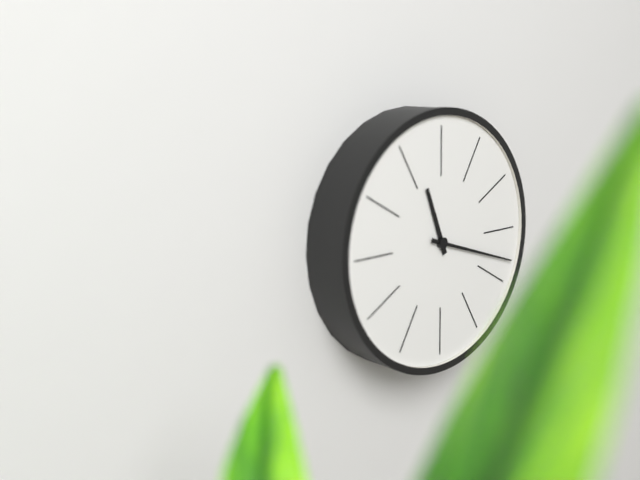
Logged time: 11 h 18 min
